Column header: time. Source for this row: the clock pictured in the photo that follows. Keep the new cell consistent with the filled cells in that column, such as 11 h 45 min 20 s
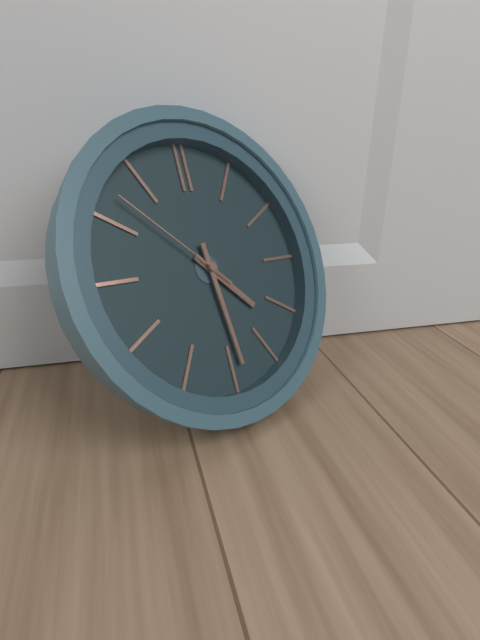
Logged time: 4 h 29 min 52 s
